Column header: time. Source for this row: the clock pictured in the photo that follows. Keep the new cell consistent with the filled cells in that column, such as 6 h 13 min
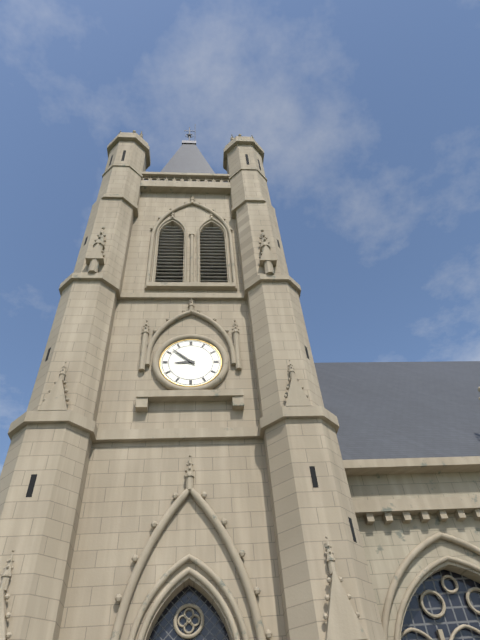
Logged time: 8 h 52 min
